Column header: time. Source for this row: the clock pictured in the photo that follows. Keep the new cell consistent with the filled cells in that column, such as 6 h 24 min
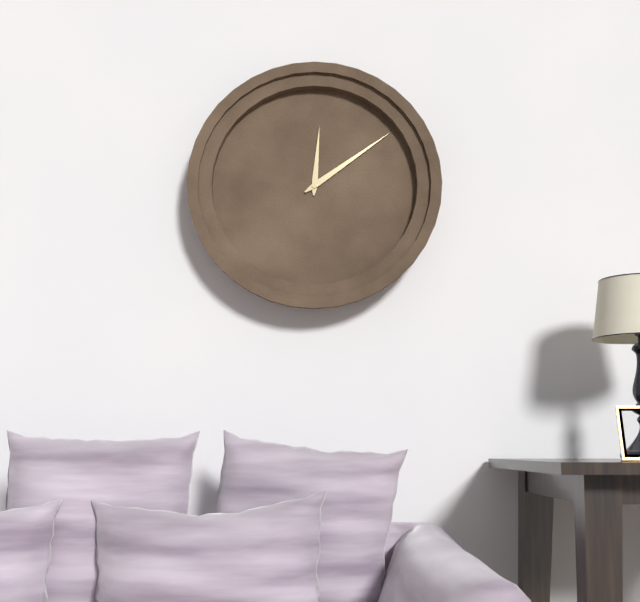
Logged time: 12 h 09 min
